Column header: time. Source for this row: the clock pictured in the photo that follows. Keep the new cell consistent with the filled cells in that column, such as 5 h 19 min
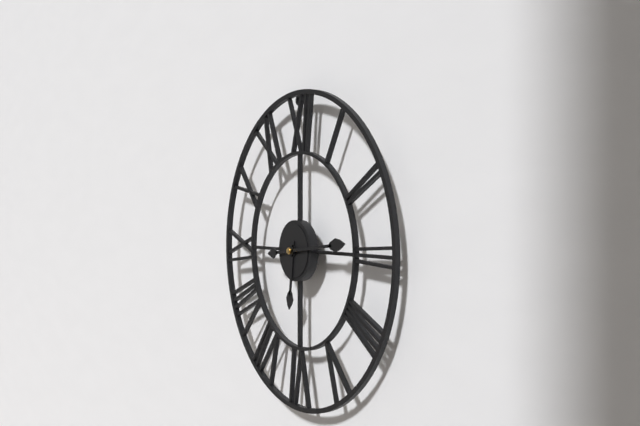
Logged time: 6 h 14 min
